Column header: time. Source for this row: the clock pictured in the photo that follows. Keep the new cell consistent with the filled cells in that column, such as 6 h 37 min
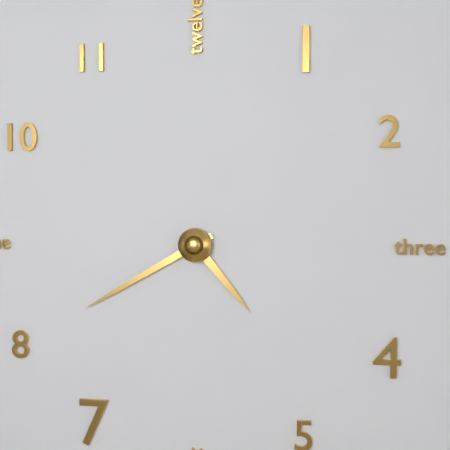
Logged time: 4 h 40 min
